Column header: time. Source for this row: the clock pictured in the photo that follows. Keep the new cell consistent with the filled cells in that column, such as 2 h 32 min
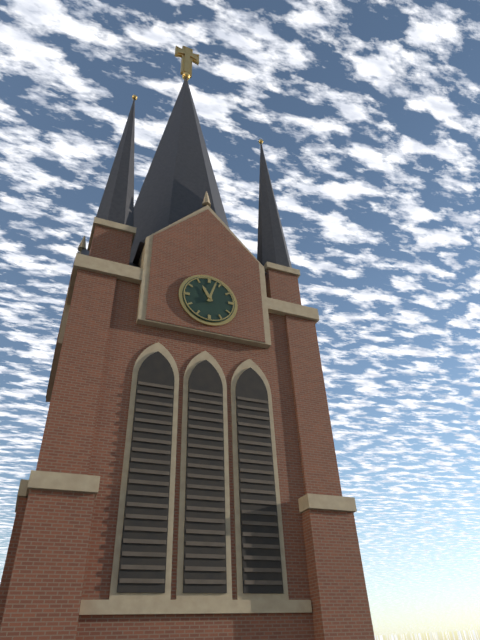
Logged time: 11 h 03 min
